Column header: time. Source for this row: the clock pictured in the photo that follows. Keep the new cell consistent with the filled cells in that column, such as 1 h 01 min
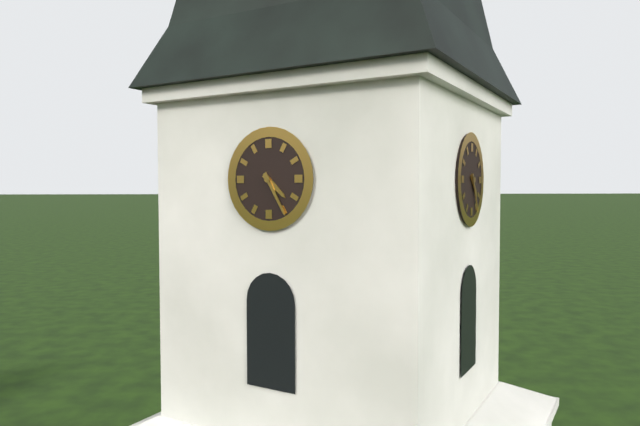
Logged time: 4 h 25 min
